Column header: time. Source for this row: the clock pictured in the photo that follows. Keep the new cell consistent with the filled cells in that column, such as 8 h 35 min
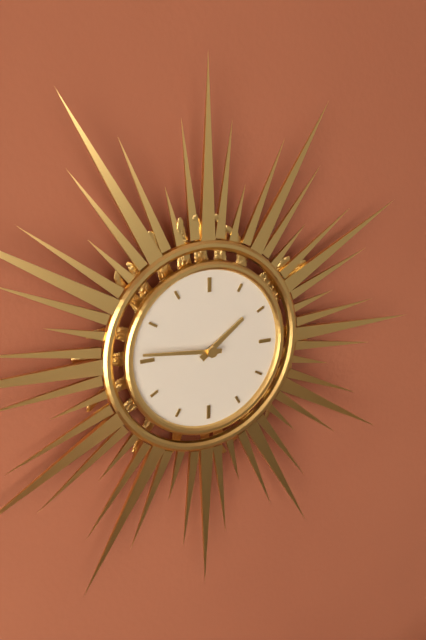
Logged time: 1 h 46 min
